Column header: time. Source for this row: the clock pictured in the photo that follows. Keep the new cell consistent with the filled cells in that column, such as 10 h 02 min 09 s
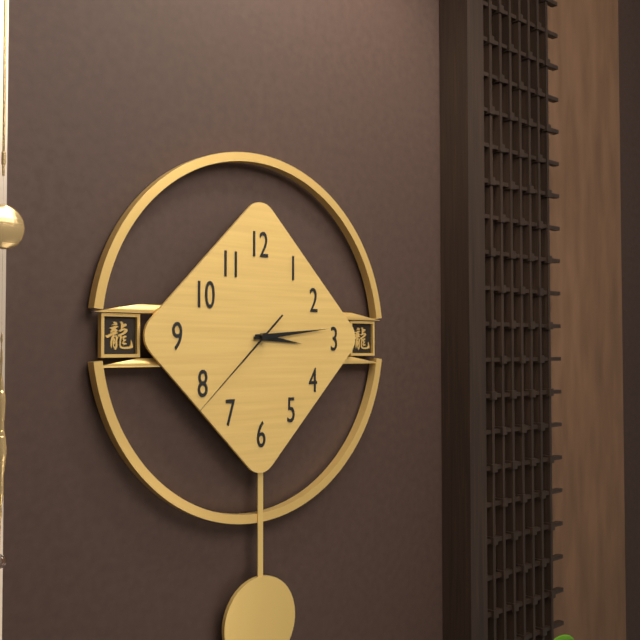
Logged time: 3 h 14 min 38 s
